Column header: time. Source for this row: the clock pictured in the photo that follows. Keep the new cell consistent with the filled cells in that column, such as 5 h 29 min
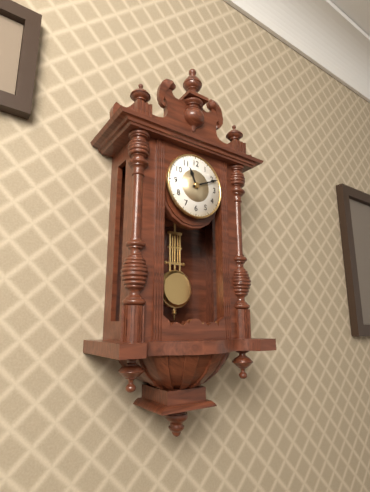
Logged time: 11 h 11 min
